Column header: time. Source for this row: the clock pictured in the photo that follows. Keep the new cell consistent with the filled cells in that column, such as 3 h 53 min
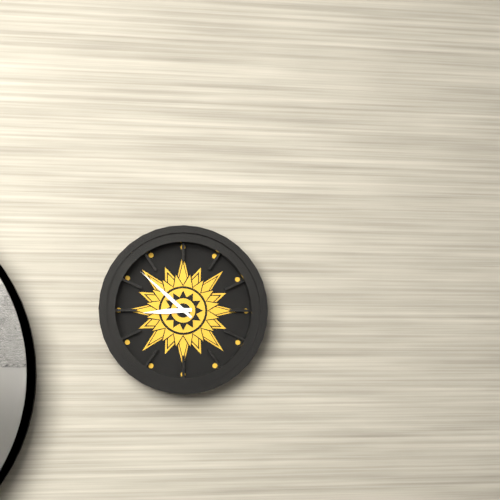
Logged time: 8 h 52 min
